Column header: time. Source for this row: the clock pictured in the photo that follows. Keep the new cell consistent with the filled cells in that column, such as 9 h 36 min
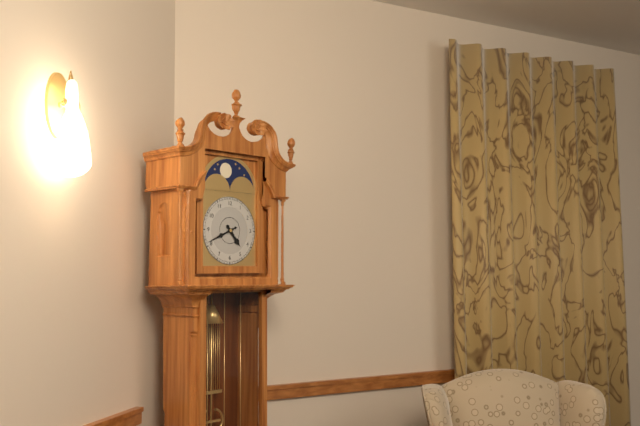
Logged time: 4 h 41 min
